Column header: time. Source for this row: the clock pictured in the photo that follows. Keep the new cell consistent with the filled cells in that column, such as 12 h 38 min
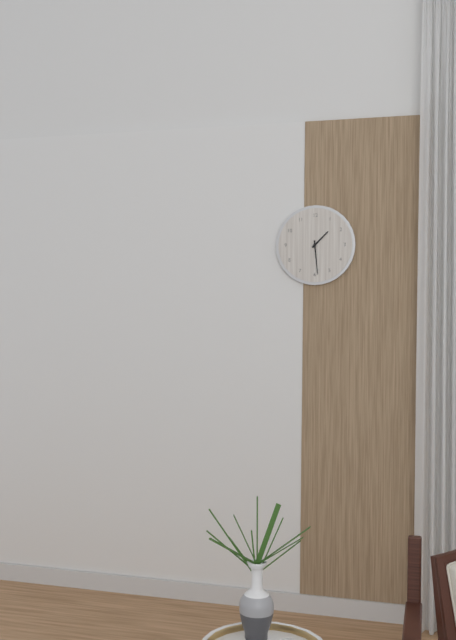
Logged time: 1 h 29 min
